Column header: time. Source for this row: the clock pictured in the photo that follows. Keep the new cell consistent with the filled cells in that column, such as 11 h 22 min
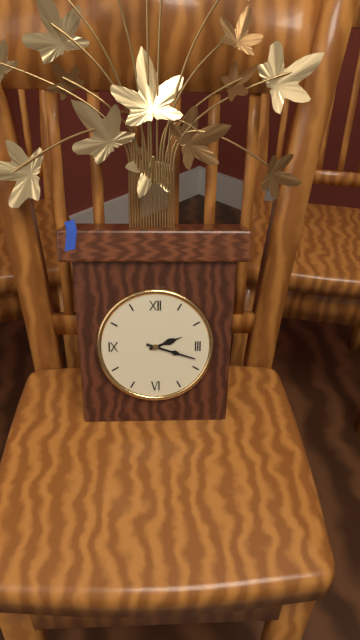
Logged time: 2 h 18 min
